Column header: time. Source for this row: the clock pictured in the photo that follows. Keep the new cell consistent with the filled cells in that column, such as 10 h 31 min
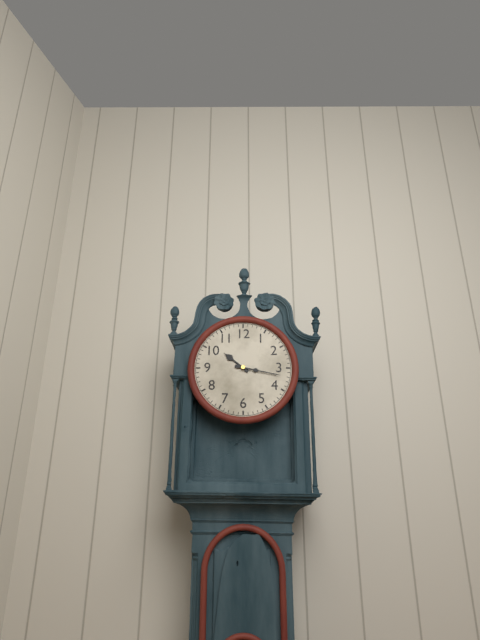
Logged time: 10 h 17 min
